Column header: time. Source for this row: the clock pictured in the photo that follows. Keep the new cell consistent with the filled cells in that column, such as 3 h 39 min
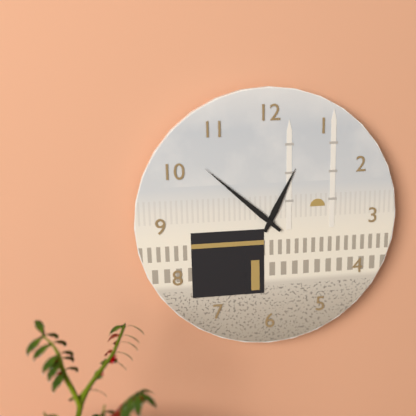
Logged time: 12 h 52 min
